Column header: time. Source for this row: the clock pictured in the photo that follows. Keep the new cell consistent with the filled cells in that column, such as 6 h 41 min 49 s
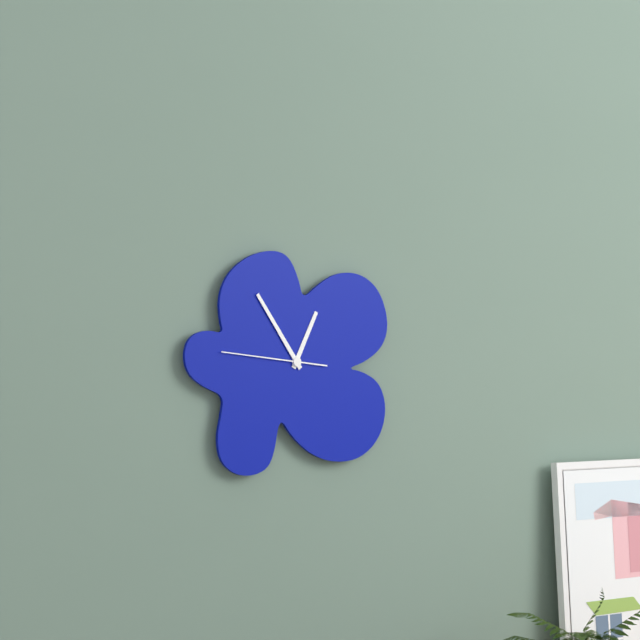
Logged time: 12 h 54 min 46 s
